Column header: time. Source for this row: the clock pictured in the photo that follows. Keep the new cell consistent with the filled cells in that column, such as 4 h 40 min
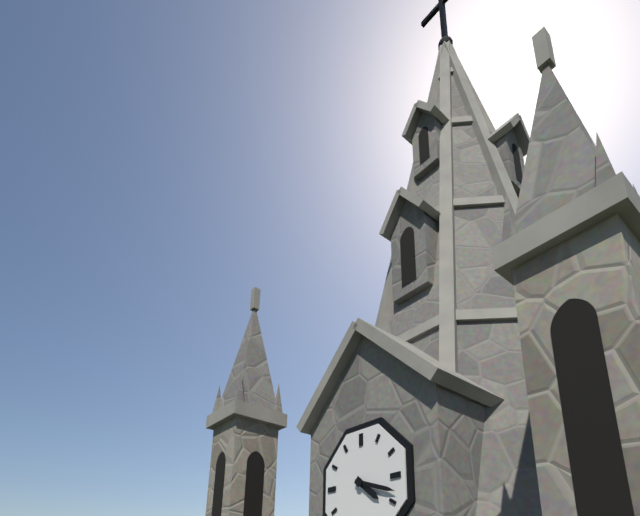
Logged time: 4 h 18 min
